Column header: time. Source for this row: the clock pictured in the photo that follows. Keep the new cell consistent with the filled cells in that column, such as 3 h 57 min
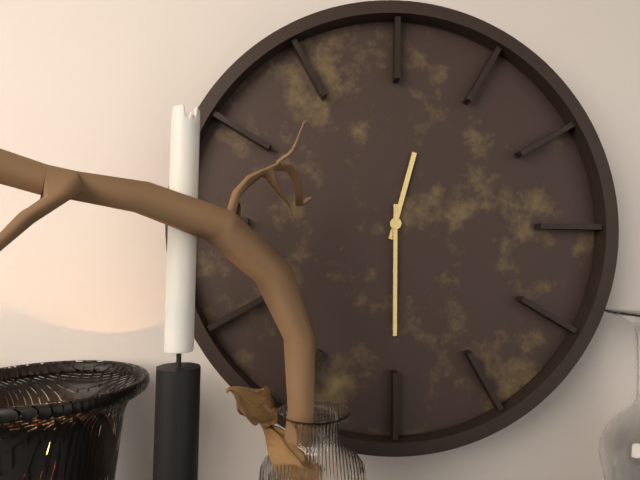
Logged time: 12 h 30 min
